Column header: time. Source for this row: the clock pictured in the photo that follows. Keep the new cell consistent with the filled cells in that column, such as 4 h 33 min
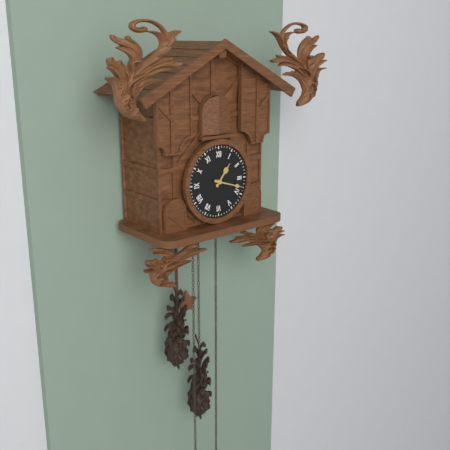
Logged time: 1 h 18 min
